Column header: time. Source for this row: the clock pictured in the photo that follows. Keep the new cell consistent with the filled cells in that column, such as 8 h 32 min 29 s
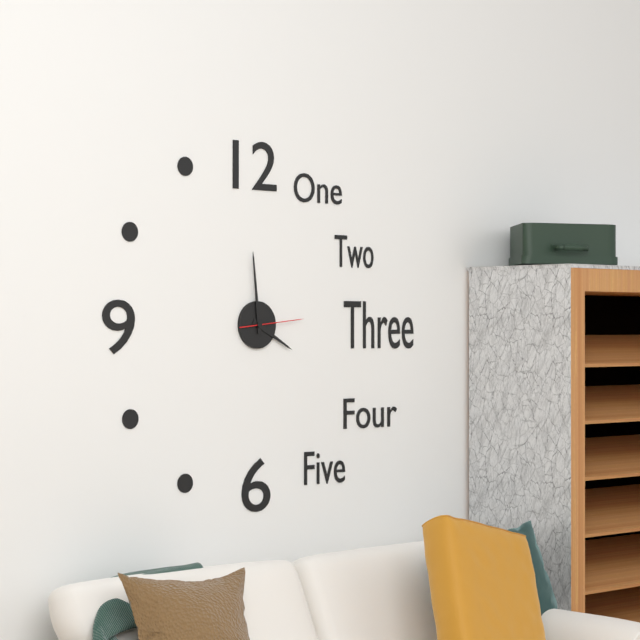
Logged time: 3 h 59 min 14 s
